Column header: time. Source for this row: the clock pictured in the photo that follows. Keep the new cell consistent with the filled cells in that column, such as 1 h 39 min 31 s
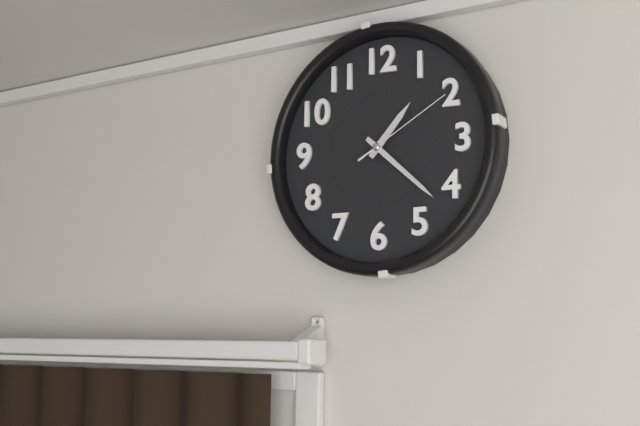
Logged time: 1 h 22 min 10 s
